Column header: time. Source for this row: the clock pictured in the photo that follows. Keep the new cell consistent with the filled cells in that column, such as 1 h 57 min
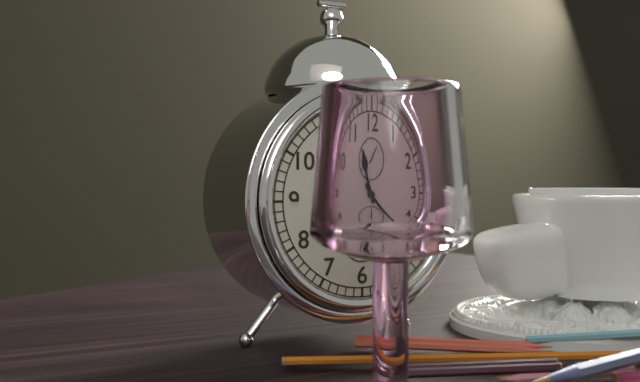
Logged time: 11 h 24 min
